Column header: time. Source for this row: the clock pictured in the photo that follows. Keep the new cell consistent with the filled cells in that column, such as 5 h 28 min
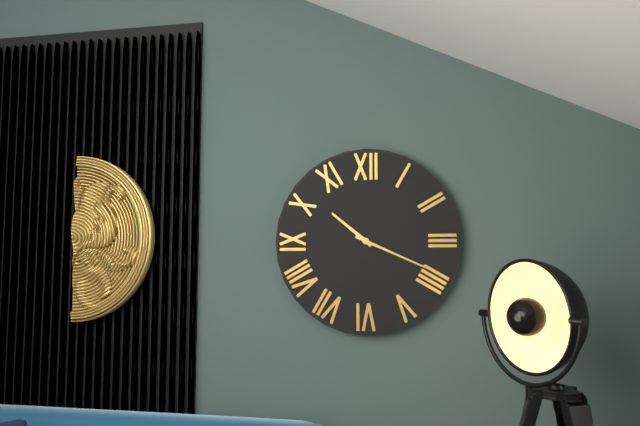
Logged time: 10 h 19 min
